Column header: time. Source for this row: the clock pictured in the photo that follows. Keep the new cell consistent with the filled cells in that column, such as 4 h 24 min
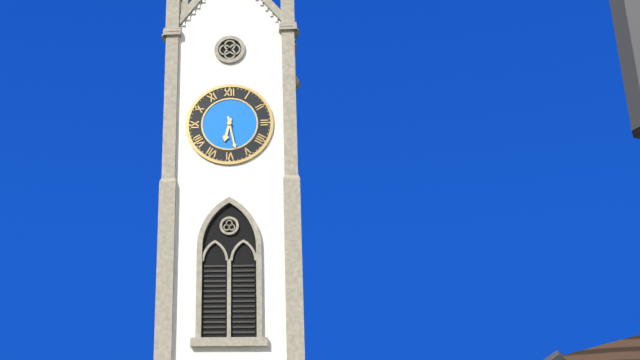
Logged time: 6 h 28 min
